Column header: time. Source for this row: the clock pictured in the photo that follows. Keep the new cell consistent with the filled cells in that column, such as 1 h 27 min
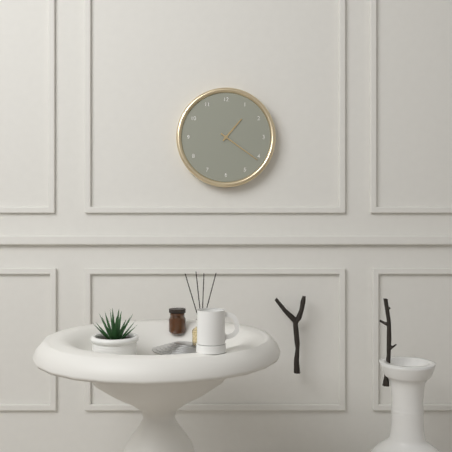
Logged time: 1 h 21 min
